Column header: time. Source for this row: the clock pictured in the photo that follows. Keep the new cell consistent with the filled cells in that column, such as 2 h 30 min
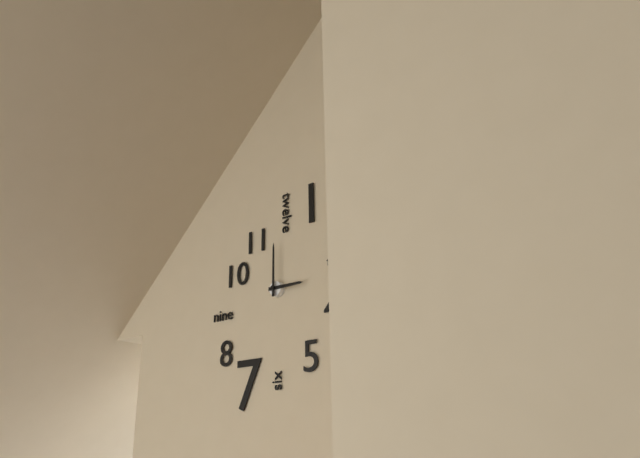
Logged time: 3 h 00 min
